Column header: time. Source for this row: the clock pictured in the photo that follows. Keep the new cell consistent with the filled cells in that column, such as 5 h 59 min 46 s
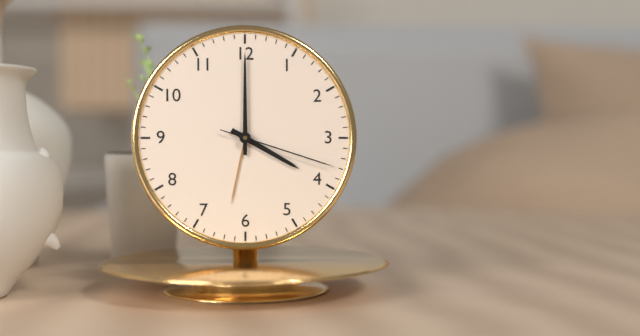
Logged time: 4 h 00 min 18 s
